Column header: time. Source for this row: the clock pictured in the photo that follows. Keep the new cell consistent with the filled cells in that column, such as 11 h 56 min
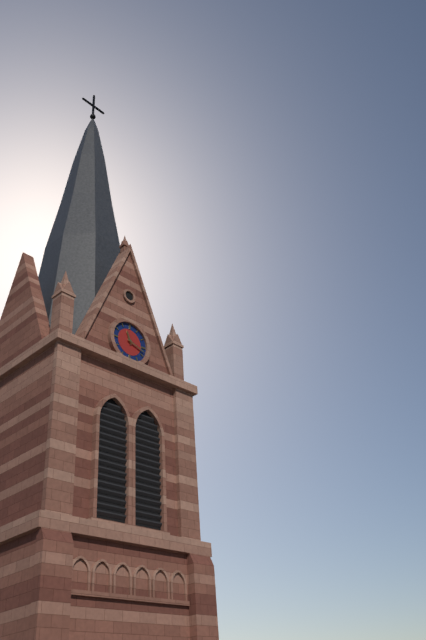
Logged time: 11 h 18 min
